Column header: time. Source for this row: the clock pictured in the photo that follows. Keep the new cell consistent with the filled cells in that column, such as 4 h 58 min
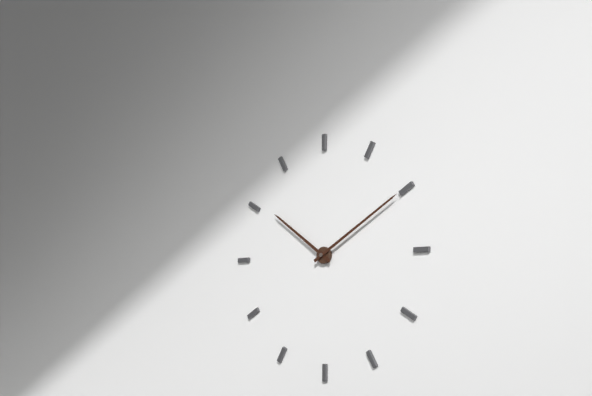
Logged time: 10 h 10 min
